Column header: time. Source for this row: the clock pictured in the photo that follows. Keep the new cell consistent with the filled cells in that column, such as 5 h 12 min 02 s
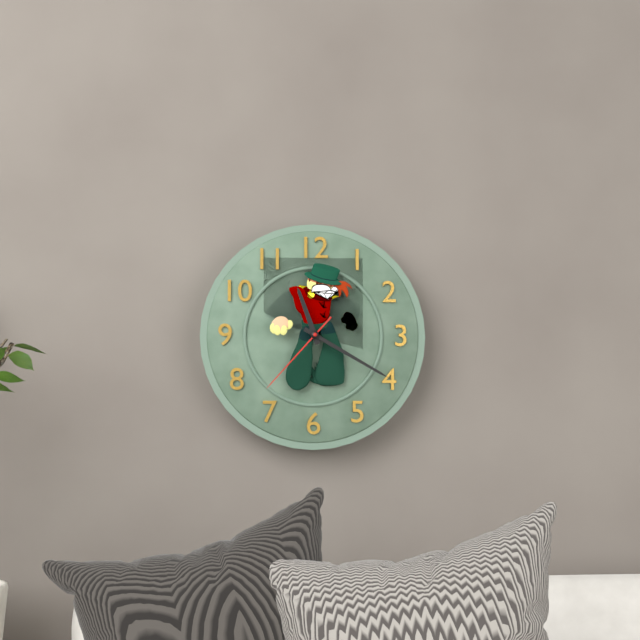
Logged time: 11 h 20 min 37 s
